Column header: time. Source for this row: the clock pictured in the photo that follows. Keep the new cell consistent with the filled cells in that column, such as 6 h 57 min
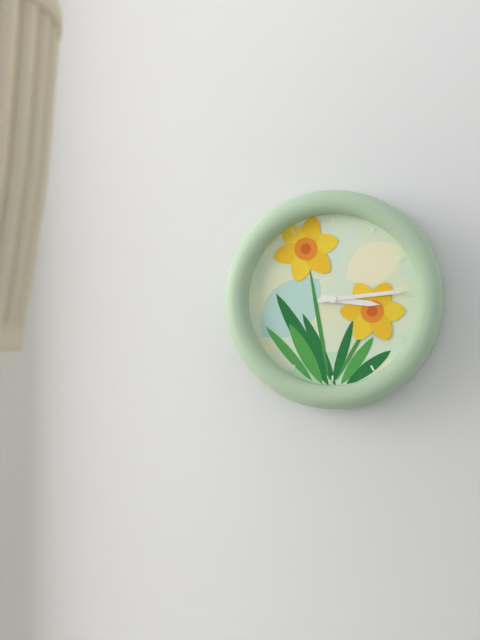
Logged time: 3 h 14 min
